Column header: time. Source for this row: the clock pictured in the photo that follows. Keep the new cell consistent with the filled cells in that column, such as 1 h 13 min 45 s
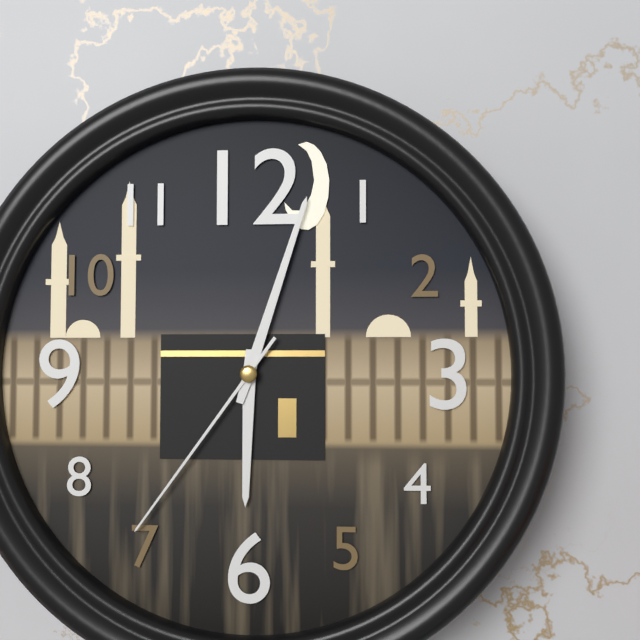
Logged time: 6 h 03 min 36 s
